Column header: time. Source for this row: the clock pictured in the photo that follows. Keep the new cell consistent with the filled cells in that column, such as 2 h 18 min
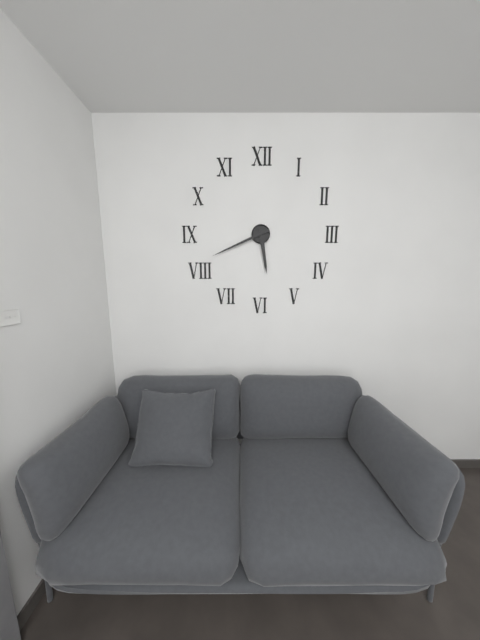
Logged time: 5 h 41 min
